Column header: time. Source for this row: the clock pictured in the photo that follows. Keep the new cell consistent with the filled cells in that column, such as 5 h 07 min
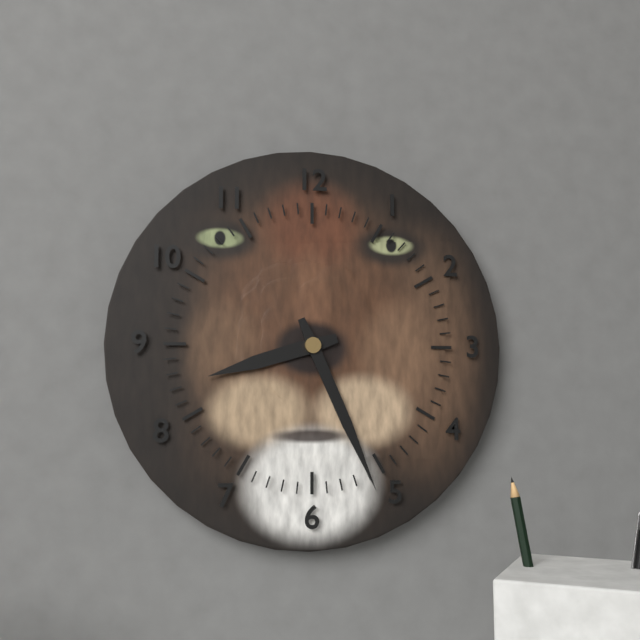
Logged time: 8 h 26 min
